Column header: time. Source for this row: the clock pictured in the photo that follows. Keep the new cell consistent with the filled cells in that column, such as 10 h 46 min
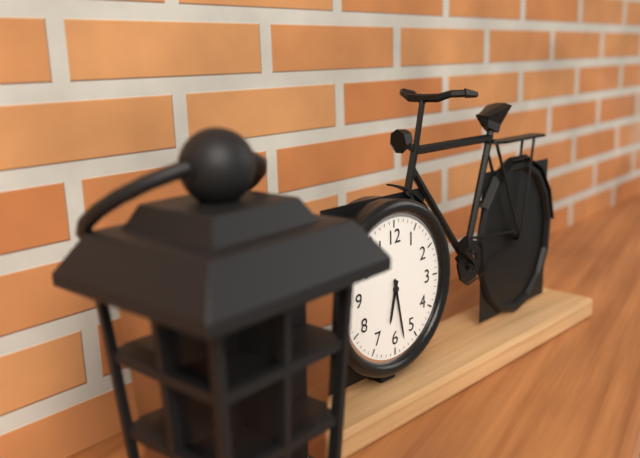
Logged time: 6 h 28 min
